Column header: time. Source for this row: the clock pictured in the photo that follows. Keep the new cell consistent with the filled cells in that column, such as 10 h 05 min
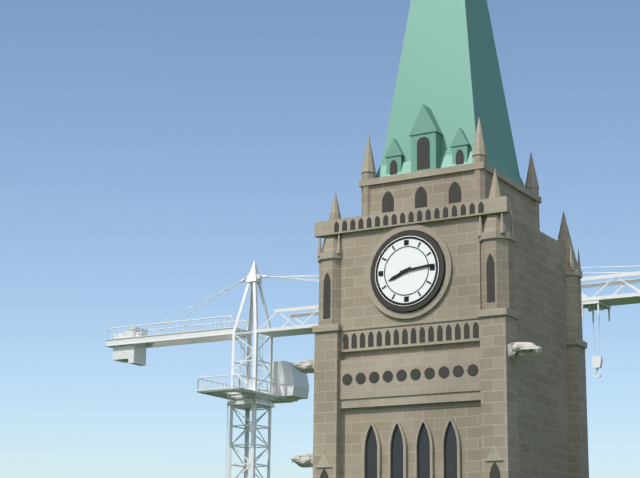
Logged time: 8 h 14 min
